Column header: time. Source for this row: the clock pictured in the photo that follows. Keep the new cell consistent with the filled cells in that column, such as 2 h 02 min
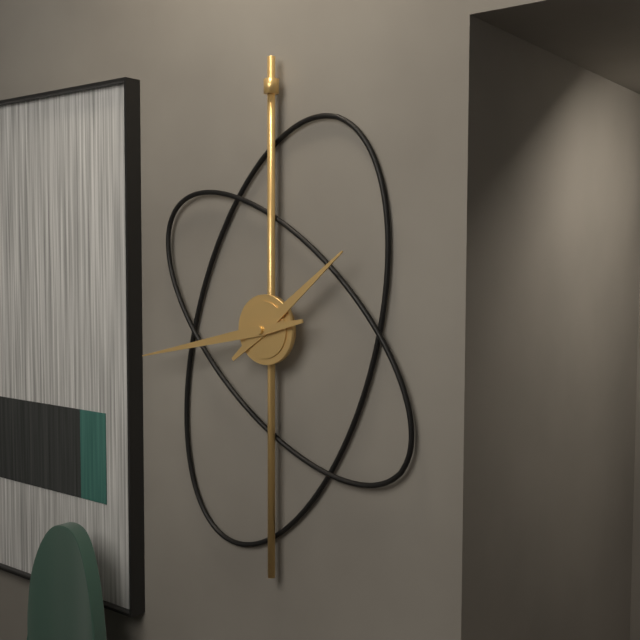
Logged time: 1 h 43 min
